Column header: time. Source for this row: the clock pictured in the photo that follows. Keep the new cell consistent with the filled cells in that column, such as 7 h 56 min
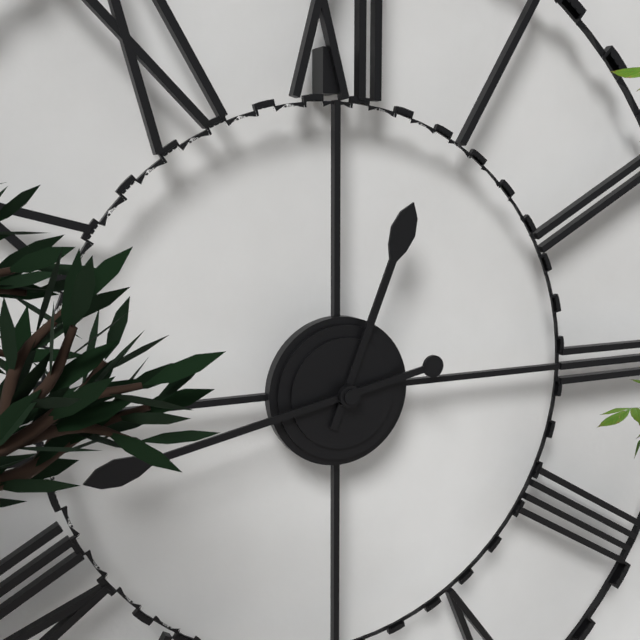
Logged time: 12 h 43 min
